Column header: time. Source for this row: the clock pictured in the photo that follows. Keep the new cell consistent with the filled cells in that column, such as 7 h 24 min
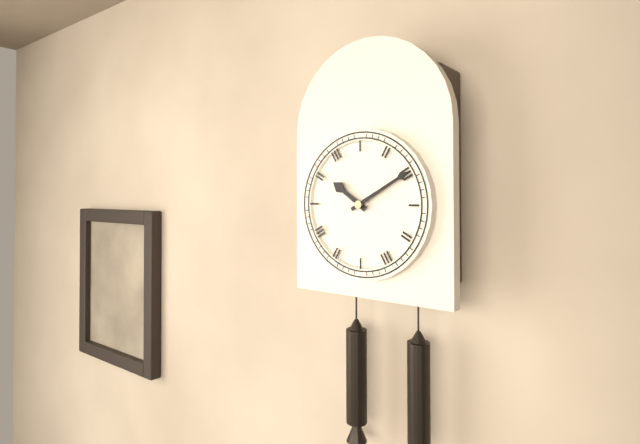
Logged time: 10 h 10 min
